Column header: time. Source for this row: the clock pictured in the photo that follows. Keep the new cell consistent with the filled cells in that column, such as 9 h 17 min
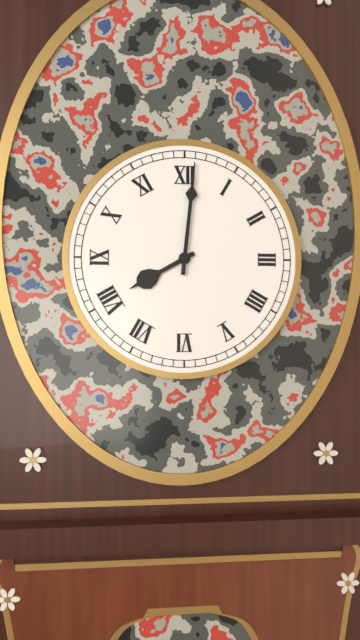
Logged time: 8 h 01 min
